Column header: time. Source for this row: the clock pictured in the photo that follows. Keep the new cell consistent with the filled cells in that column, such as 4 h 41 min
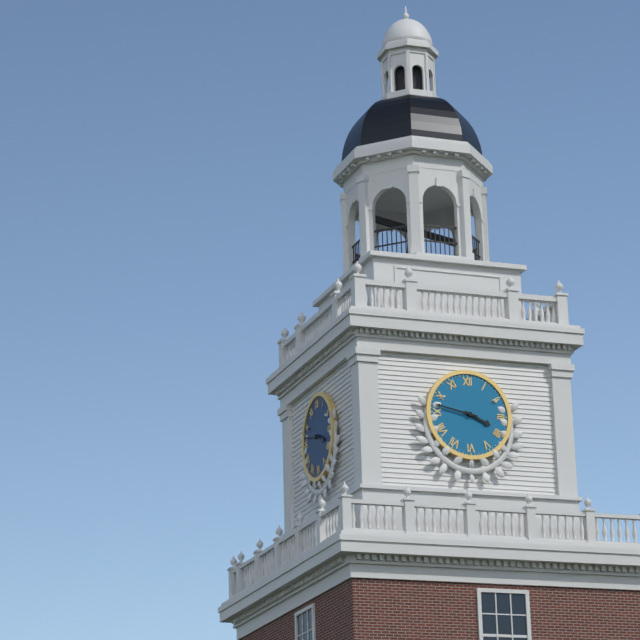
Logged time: 3 h 47 min
